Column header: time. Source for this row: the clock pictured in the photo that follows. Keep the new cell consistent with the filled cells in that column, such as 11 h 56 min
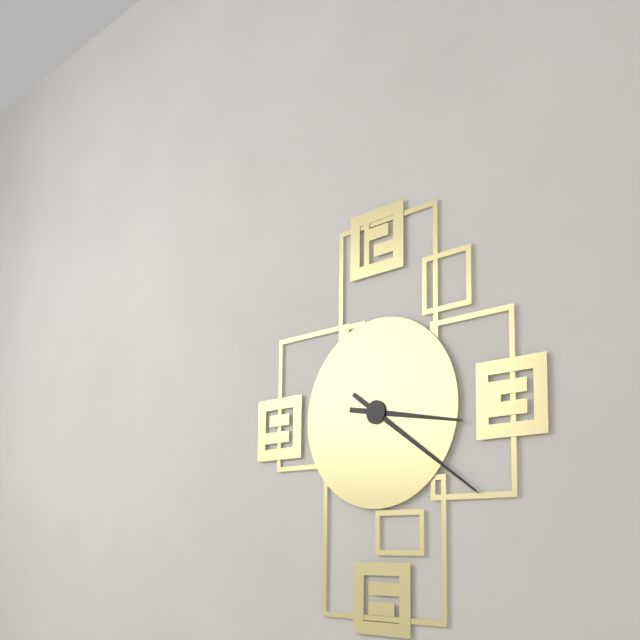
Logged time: 3 h 21 min
